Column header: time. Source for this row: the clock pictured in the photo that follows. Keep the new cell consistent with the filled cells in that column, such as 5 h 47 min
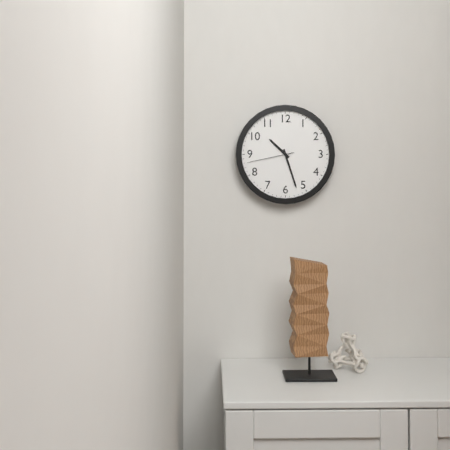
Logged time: 10 h 27 min
